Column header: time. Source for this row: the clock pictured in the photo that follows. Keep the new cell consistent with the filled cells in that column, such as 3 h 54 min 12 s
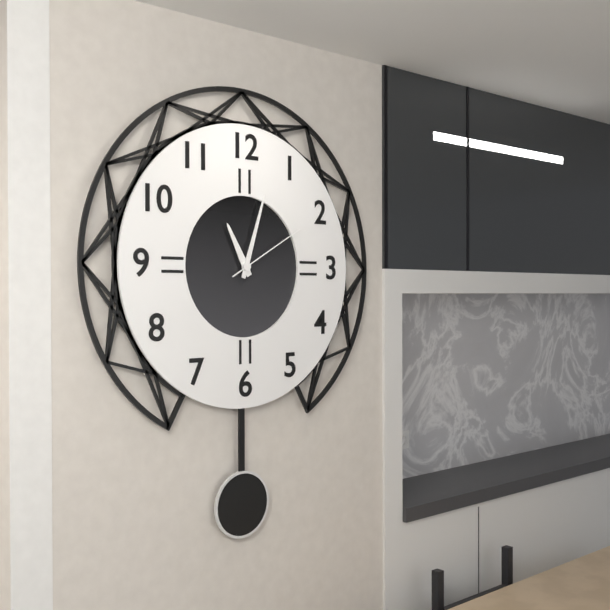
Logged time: 11 h 03 min 10 s
